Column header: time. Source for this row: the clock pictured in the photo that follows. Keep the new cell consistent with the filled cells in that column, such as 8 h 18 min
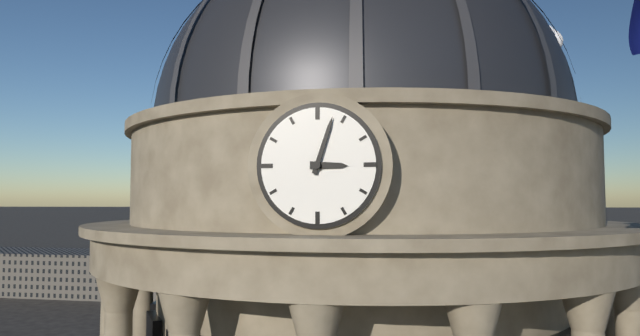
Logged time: 3 h 03 min
